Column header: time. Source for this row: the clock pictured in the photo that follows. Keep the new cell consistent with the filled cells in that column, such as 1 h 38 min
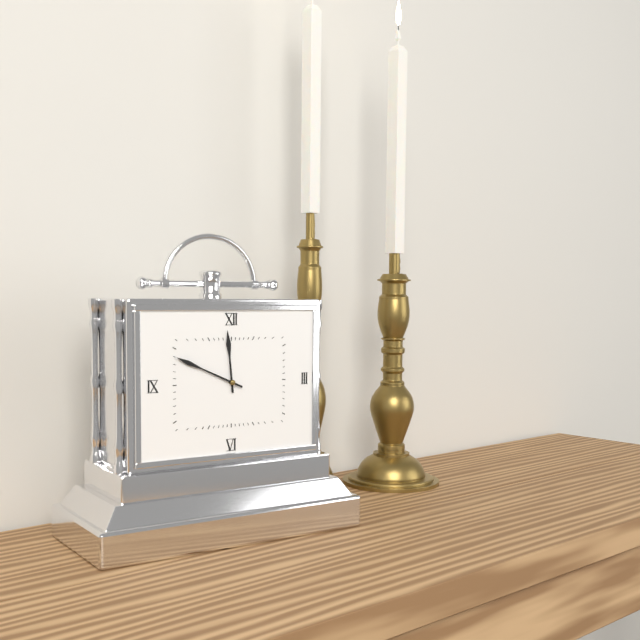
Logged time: 11 h 49 min
